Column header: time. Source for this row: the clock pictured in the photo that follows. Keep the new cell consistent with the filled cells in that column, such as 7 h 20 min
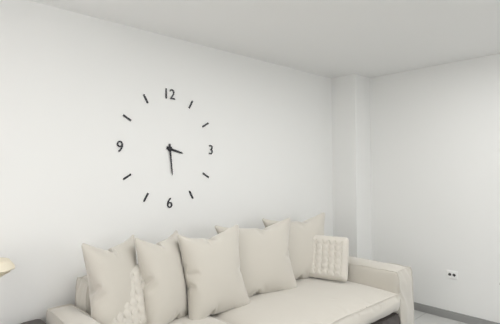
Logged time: 3 h 29 min
